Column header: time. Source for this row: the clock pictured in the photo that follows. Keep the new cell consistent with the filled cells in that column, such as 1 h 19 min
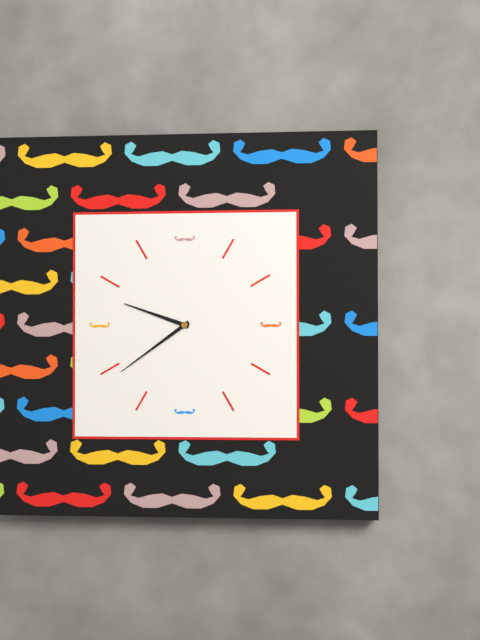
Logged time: 9 h 39 min
